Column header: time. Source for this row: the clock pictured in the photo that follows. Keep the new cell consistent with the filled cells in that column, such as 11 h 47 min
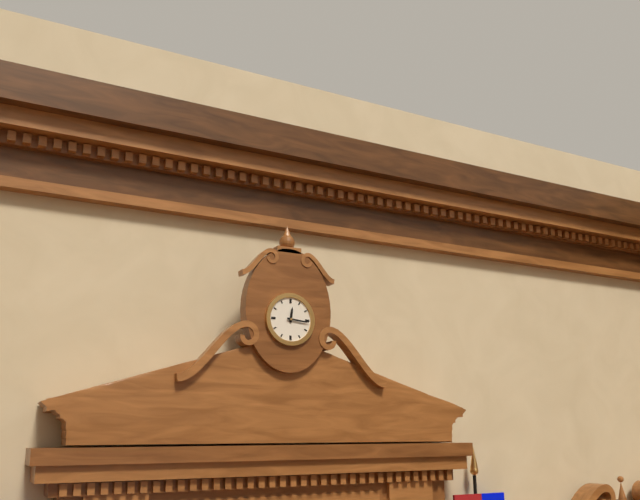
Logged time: 12 h 16 min
